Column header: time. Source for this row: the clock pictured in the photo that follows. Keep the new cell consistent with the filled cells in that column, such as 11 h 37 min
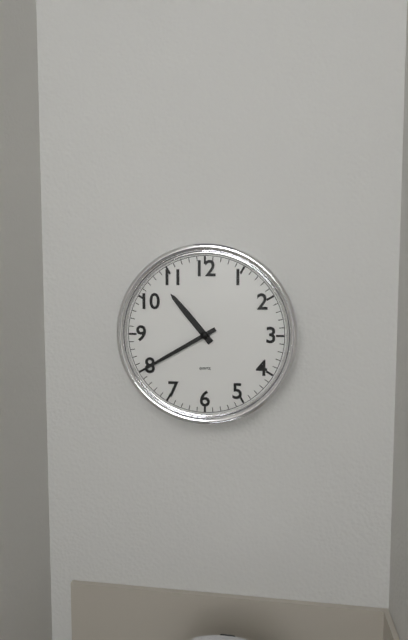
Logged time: 10 h 40 min
